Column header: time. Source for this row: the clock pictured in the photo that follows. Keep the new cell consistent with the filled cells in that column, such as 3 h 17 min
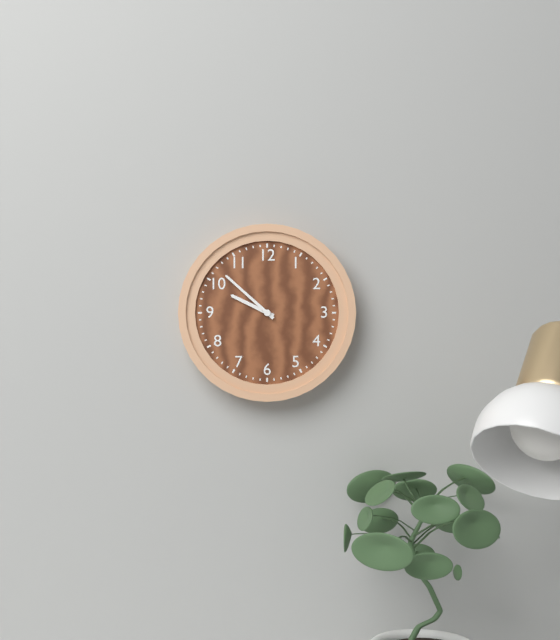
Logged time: 9 h 52 min
